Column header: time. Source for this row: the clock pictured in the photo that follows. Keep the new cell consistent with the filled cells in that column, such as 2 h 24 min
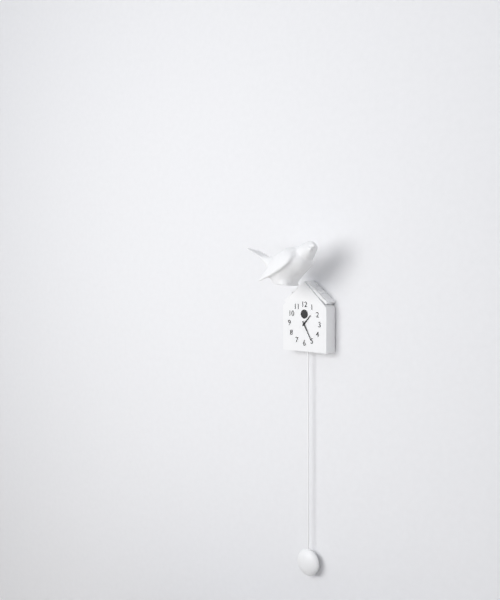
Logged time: 1 h 25 min
